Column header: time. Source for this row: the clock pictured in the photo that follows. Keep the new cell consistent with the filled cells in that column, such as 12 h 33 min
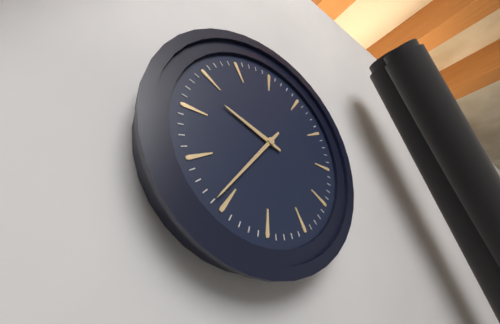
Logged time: 9 h 36 min
